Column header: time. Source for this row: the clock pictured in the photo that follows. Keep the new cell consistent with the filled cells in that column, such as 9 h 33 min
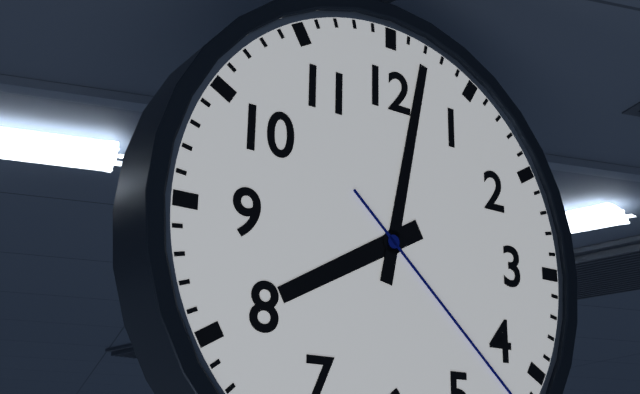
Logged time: 8 h 02 min
